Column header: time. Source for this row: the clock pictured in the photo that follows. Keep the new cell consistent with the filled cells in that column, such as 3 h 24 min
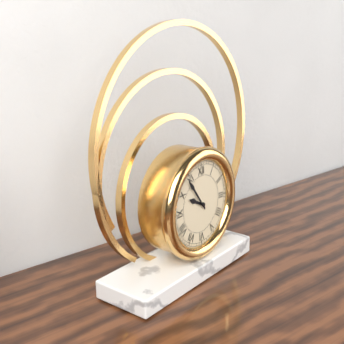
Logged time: 9 h 54 min
